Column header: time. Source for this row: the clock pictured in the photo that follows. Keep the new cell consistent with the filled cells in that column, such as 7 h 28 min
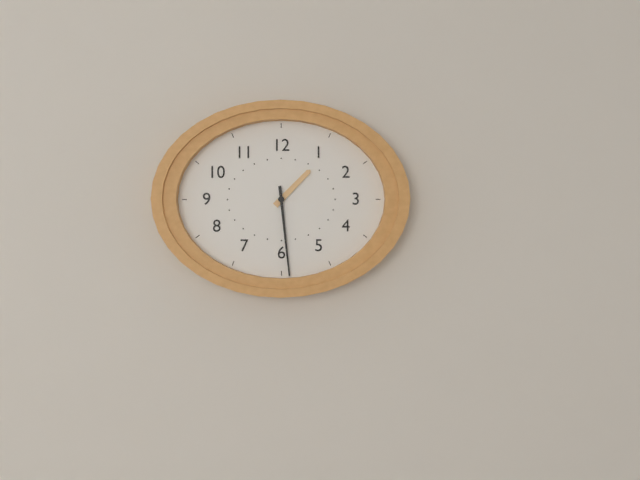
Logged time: 1 h 29 min
